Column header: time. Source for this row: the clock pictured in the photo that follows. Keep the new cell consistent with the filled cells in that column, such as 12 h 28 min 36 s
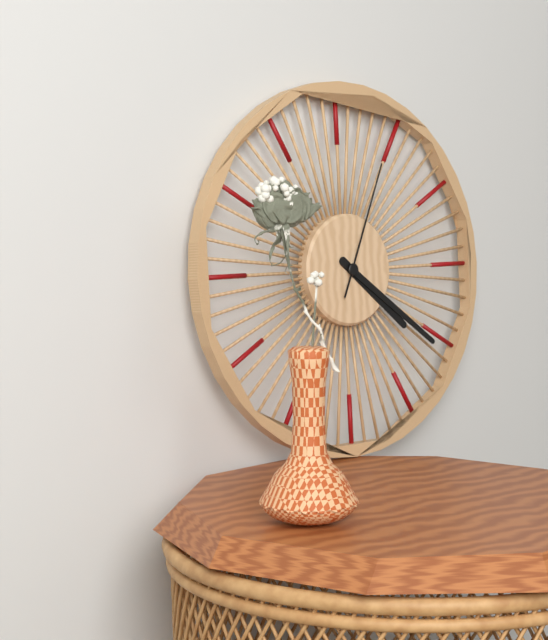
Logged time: 4 h 21 min 04 s
